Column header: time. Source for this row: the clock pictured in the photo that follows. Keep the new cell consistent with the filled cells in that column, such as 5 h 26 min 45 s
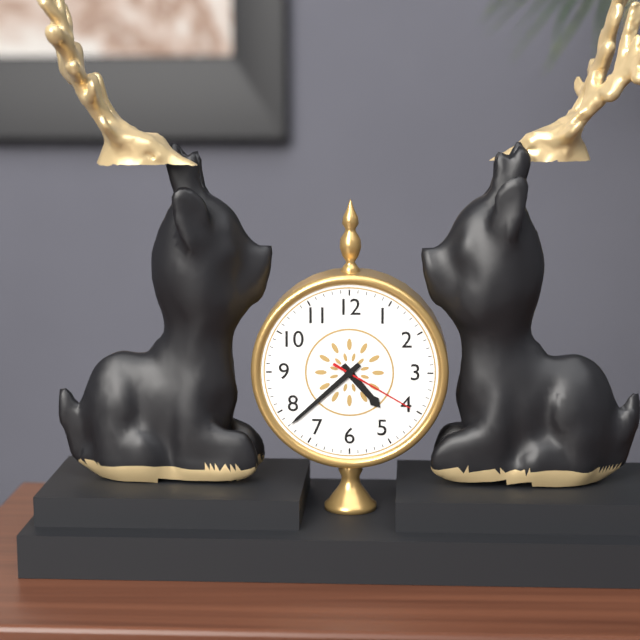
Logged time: 4 h 38 min 20 s
